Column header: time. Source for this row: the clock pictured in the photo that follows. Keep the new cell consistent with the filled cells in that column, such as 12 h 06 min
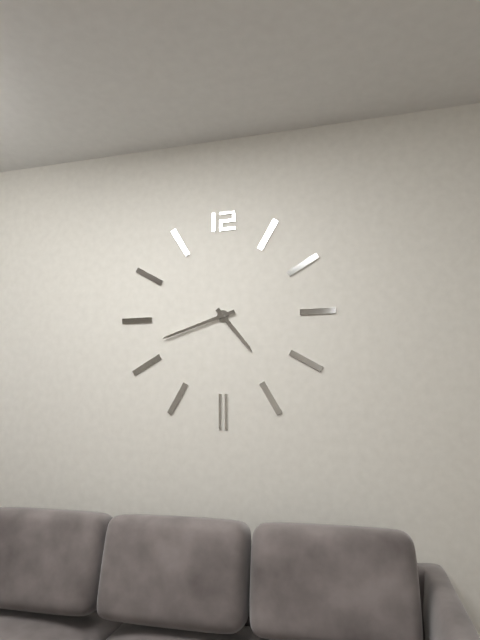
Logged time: 4 h 42 min
